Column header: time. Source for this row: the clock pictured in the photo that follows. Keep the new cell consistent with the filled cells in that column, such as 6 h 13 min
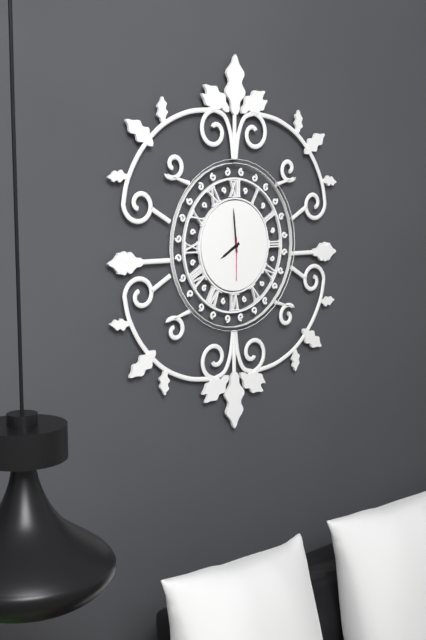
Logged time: 7 h 59 min
